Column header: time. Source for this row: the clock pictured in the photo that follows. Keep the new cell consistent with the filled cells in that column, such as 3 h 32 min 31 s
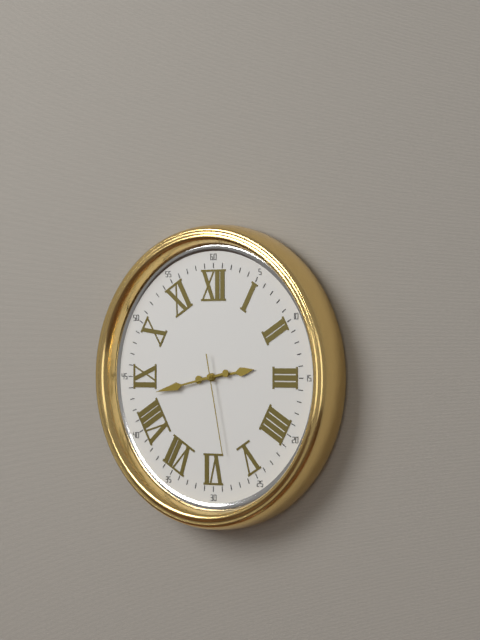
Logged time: 2 h 43 min 28 s
